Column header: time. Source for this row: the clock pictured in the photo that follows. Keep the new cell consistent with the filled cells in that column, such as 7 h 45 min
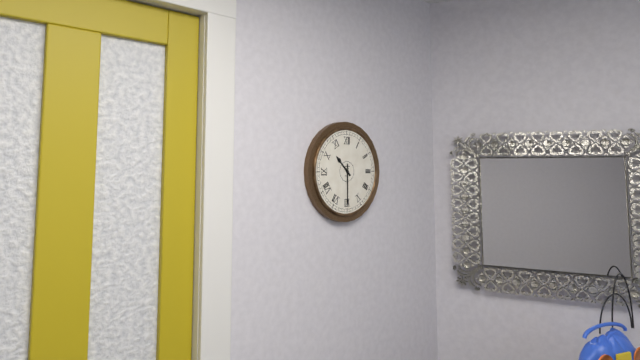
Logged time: 10 h 30 min
